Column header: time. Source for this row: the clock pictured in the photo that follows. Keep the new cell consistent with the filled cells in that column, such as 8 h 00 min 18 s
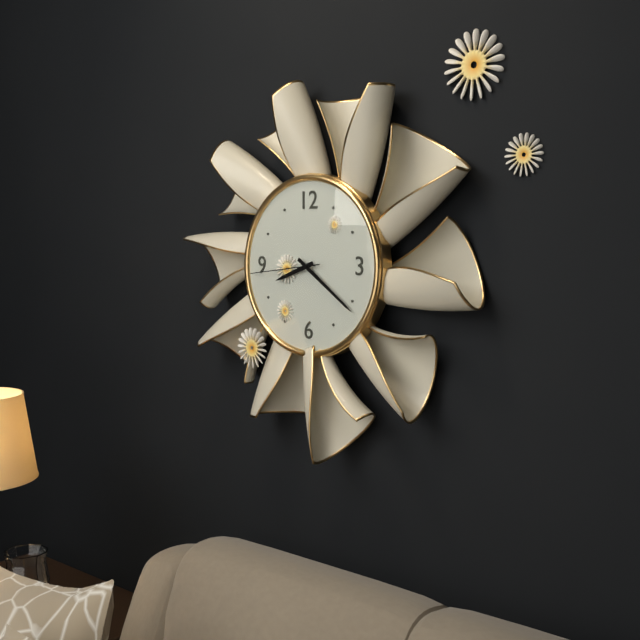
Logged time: 8 h 21 min 44 s
